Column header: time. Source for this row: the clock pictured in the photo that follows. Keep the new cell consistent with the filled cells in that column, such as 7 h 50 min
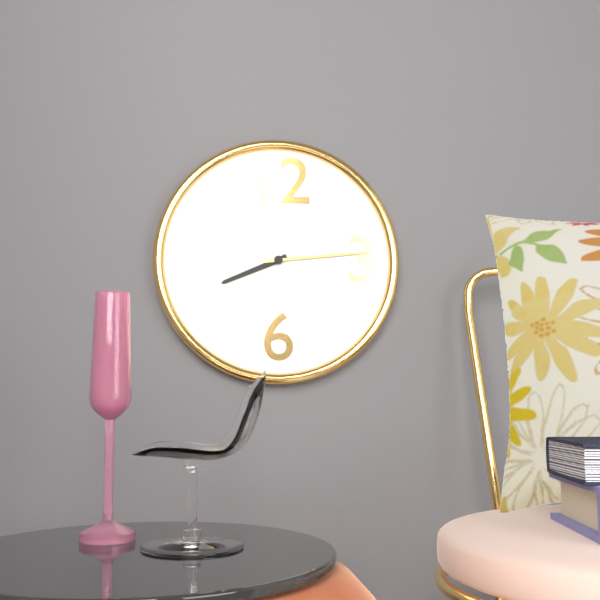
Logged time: 8 h 14 min
